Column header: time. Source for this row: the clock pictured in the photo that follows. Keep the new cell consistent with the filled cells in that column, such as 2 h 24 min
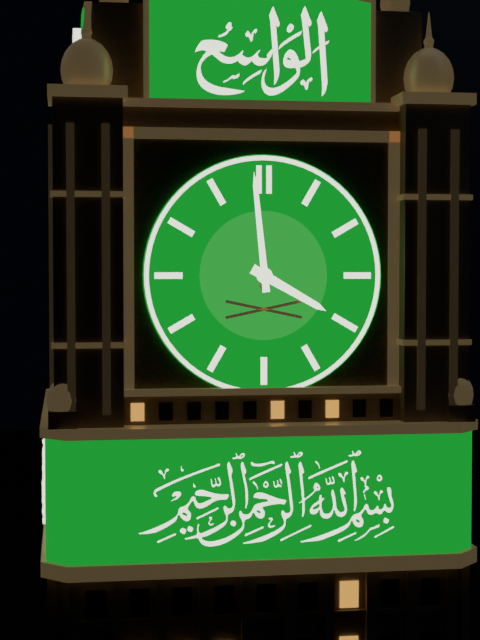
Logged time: 3 h 59 min
